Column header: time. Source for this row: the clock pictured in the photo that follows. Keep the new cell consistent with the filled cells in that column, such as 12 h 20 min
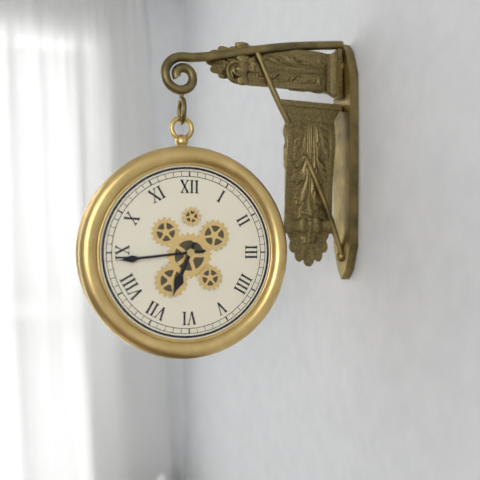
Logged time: 6 h 44 min
